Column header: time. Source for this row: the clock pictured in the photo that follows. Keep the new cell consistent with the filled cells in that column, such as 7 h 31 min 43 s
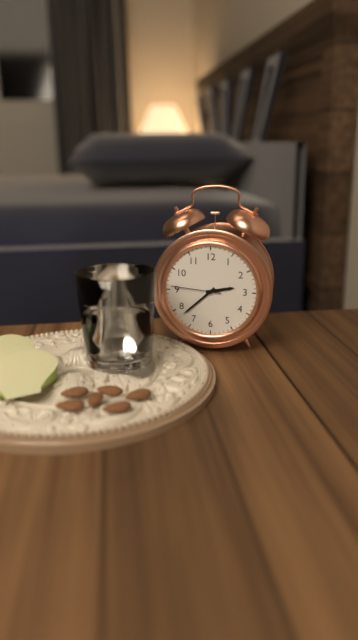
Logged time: 2 h 38 min 46 s
